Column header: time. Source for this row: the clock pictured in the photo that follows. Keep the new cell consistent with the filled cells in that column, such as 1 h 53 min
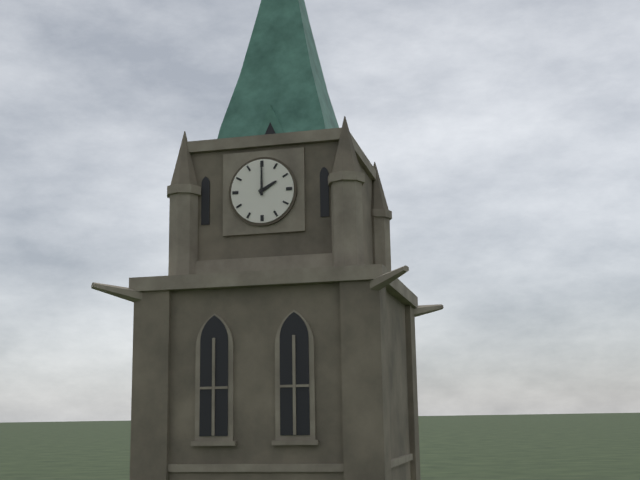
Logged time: 2 h 00 min
